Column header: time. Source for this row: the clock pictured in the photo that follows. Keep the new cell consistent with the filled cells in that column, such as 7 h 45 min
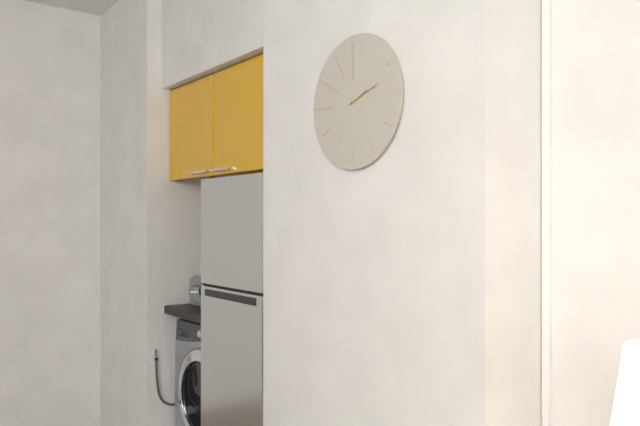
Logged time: 2 h 12 min
